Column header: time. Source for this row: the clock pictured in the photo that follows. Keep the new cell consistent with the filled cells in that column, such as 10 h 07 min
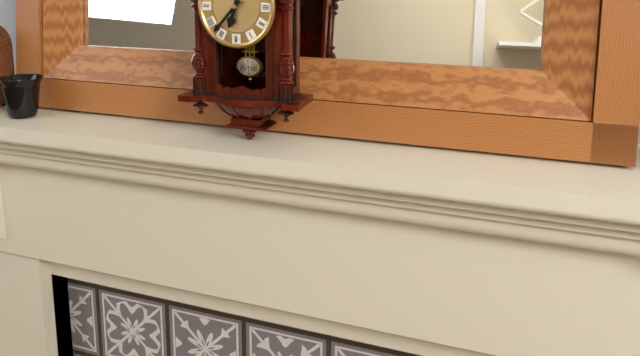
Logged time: 6 h 37 min
